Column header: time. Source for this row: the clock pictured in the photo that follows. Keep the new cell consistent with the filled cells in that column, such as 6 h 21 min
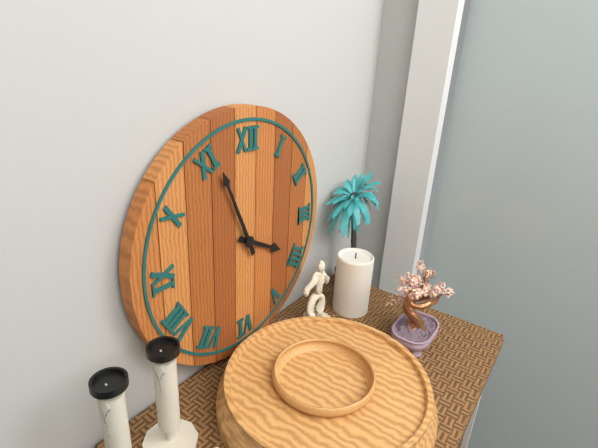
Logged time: 3 h 56 min
